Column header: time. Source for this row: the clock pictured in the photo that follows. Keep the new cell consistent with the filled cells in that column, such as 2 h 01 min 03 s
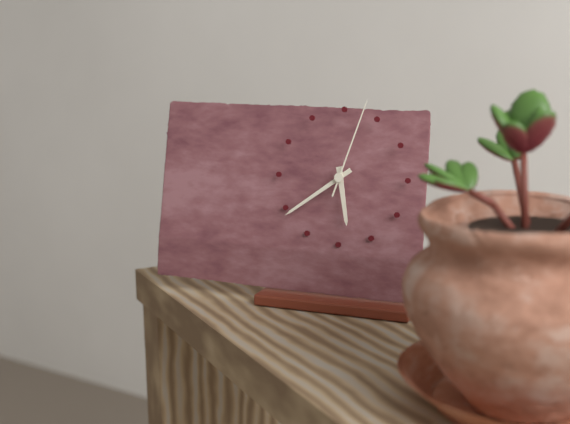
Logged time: 5 h 39 min 03 s
